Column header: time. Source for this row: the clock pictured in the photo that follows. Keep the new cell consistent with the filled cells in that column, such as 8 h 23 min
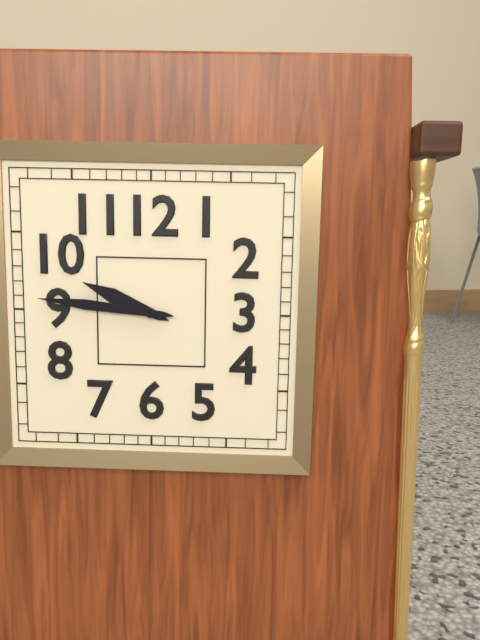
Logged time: 9 h 46 min
